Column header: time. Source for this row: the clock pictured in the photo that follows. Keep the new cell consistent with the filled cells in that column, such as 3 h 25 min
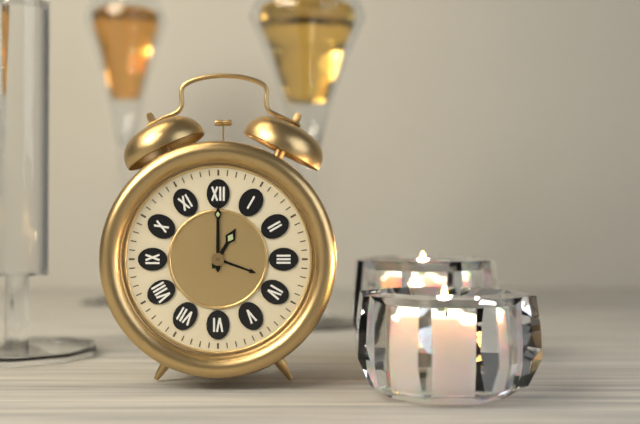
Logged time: 1 h 00 min
